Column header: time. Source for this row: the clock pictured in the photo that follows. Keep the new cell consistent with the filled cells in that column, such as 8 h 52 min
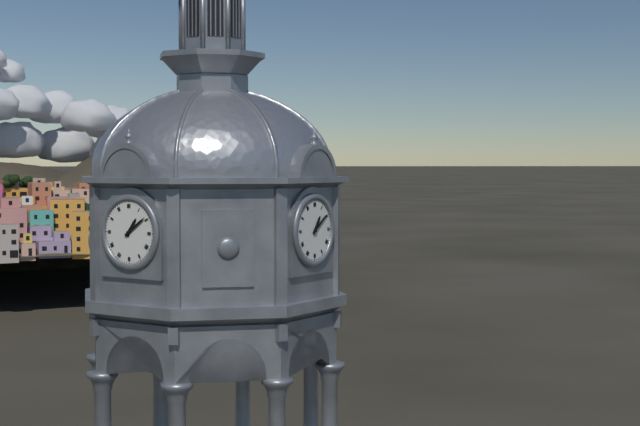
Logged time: 1 h 09 min
